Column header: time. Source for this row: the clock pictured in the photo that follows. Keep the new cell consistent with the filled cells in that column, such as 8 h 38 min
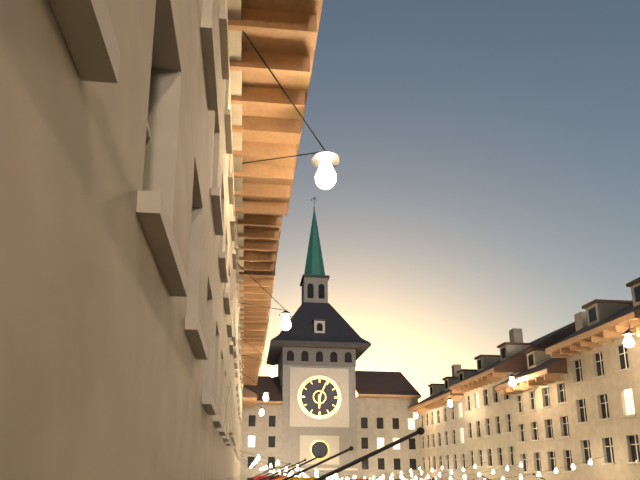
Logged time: 6 h 04 min
